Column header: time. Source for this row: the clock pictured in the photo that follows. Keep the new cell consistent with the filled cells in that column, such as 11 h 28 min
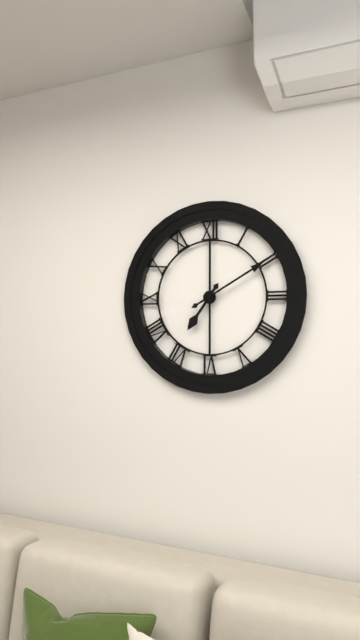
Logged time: 7 h 10 min
